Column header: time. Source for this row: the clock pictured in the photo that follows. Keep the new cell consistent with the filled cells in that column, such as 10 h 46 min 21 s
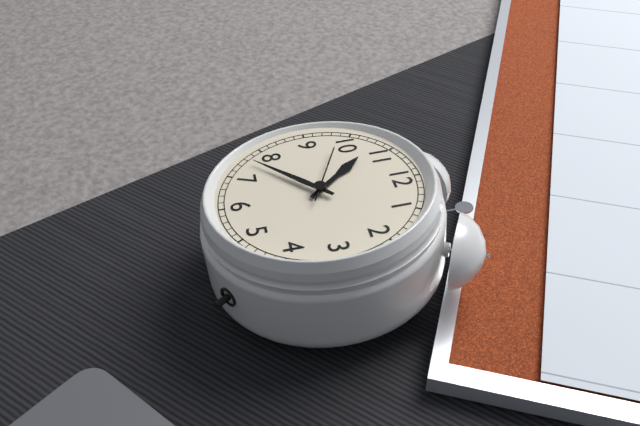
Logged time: 10 h 38 min 49 s
